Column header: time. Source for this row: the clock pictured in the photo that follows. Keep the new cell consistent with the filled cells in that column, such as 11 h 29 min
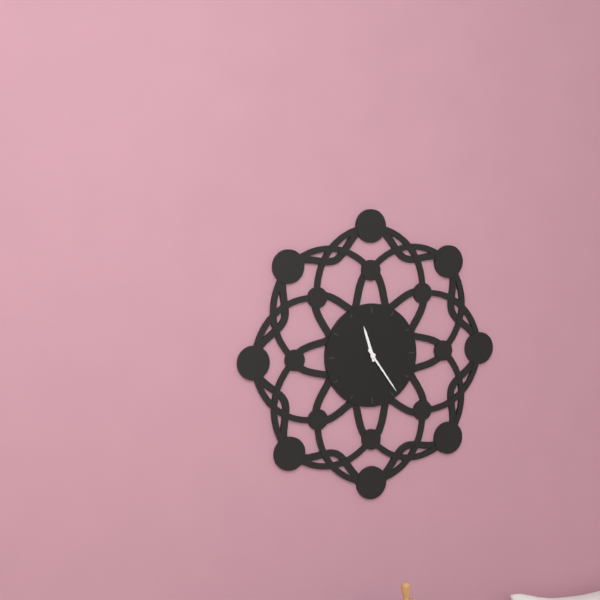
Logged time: 11 h 24 min
